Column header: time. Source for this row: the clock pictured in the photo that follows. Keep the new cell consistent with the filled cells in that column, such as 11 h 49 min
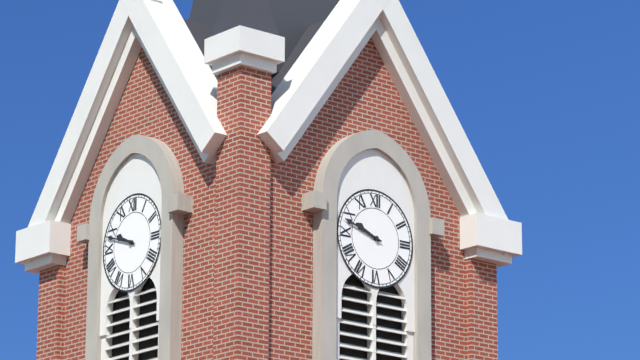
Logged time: 9 h 48 min
